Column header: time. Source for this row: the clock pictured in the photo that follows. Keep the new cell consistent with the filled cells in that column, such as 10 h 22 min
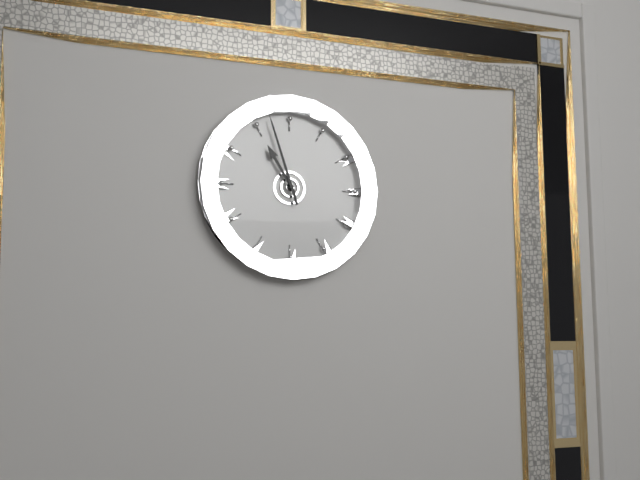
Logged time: 10 h 57 min
